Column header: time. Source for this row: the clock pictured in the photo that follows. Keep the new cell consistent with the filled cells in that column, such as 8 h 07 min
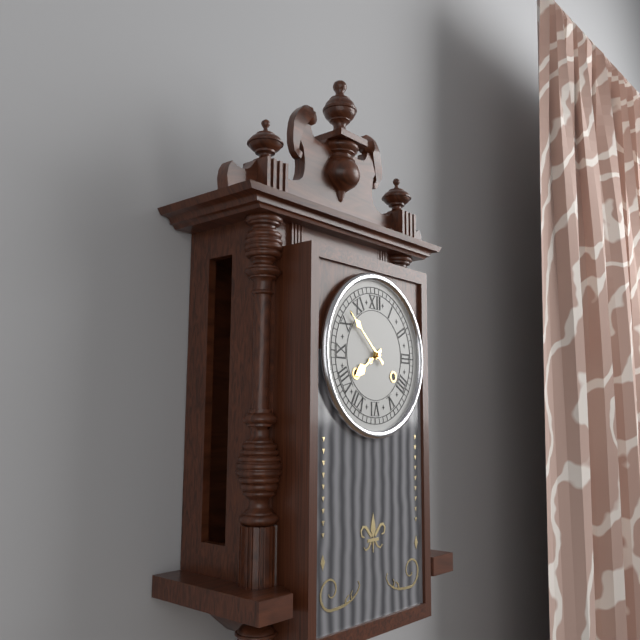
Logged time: 7 h 52 min
